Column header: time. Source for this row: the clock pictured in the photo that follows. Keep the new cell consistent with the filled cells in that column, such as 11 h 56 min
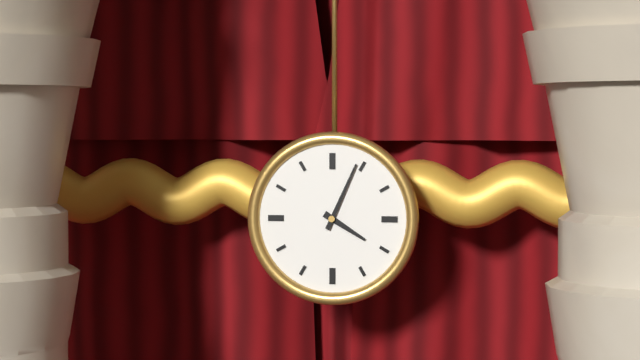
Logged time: 4 h 04 min
